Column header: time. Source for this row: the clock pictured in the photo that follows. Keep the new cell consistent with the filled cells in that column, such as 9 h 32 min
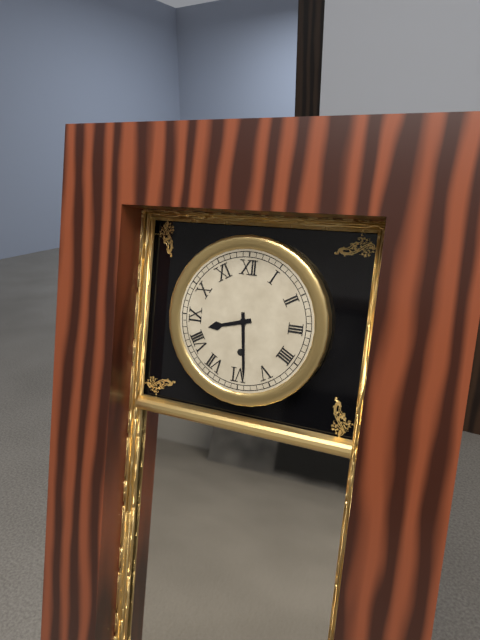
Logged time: 8 h 29 min
